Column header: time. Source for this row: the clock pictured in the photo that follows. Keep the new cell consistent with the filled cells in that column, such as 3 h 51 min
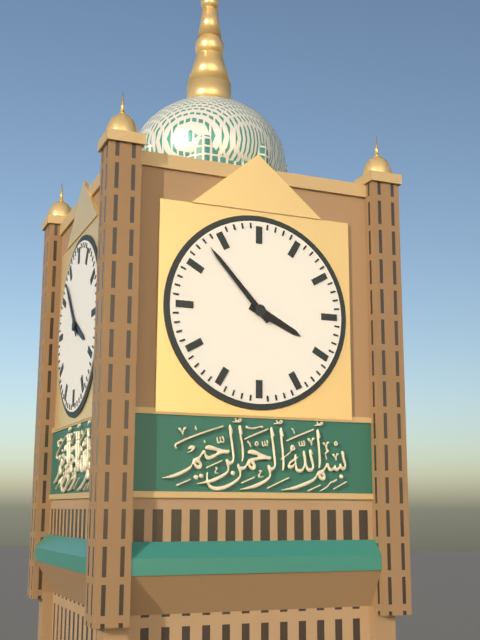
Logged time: 3 h 53 min
